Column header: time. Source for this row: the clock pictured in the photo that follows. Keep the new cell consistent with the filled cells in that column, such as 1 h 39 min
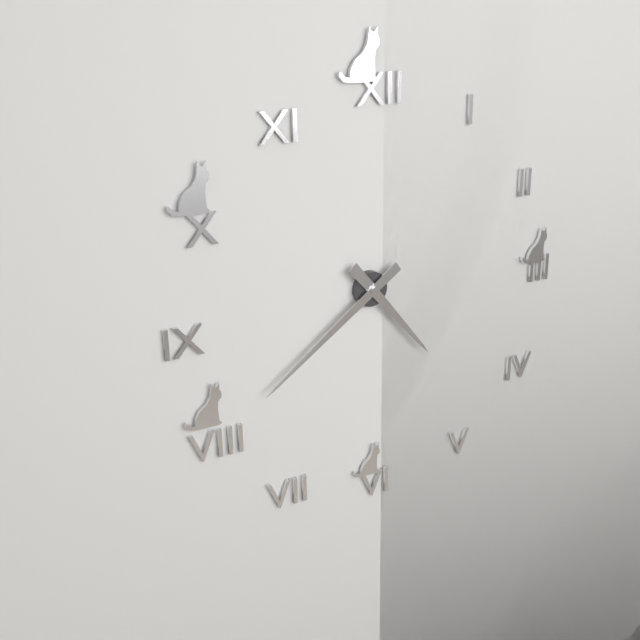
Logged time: 4 h 39 min
